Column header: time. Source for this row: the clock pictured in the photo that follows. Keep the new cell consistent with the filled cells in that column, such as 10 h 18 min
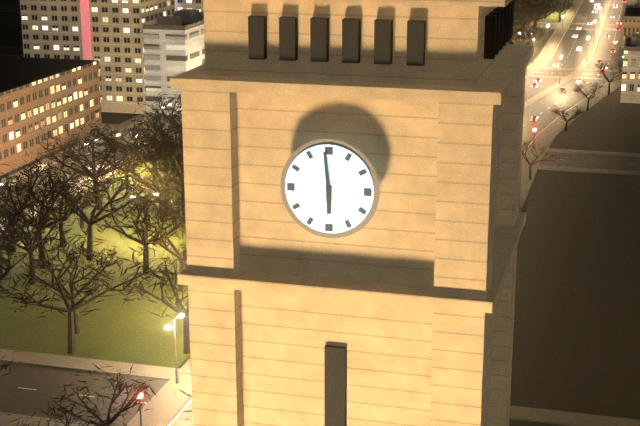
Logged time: 5 h 59 min
